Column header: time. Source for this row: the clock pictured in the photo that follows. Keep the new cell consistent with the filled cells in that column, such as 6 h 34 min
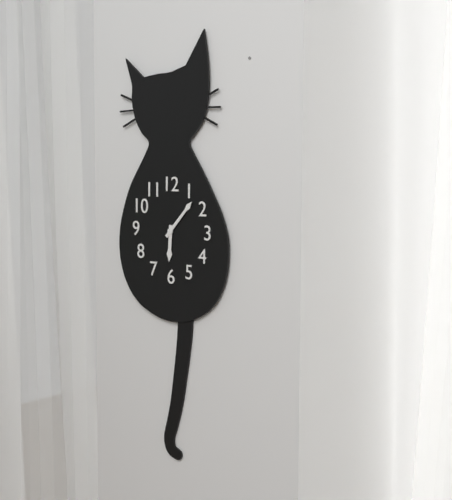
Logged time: 6 h 07 min
